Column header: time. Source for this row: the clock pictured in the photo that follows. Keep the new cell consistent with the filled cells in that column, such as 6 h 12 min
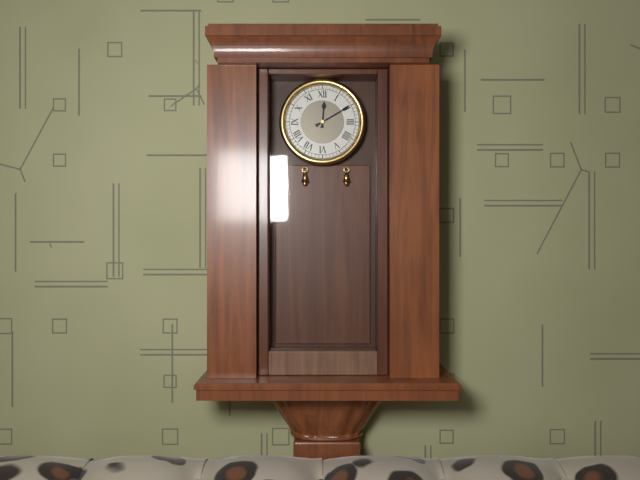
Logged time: 12 h 10 min
